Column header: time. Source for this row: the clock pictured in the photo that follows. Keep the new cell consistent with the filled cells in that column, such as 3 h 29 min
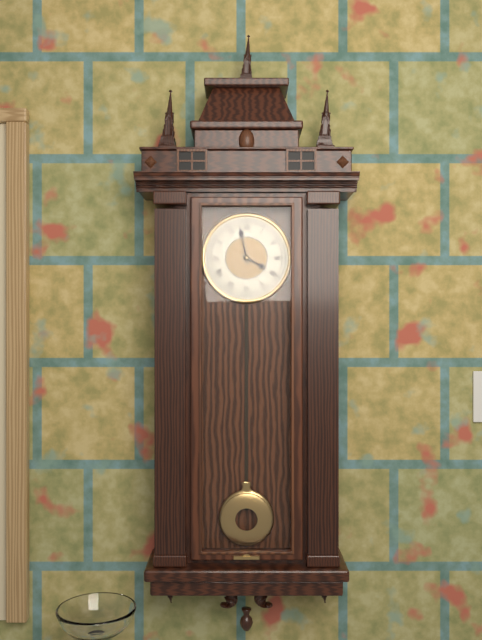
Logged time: 3 h 58 min
